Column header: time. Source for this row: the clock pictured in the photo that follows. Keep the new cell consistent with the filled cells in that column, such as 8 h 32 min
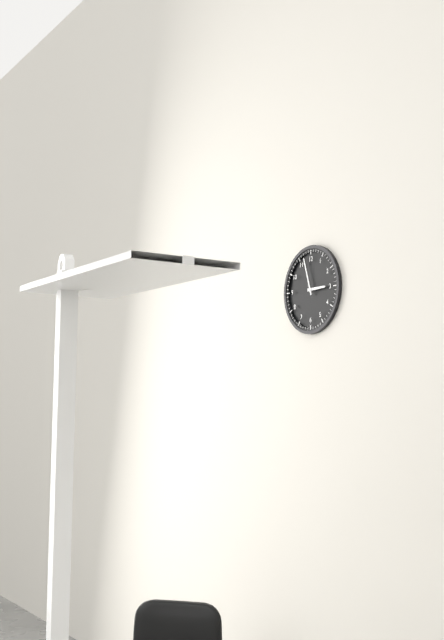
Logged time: 2 h 57 min
